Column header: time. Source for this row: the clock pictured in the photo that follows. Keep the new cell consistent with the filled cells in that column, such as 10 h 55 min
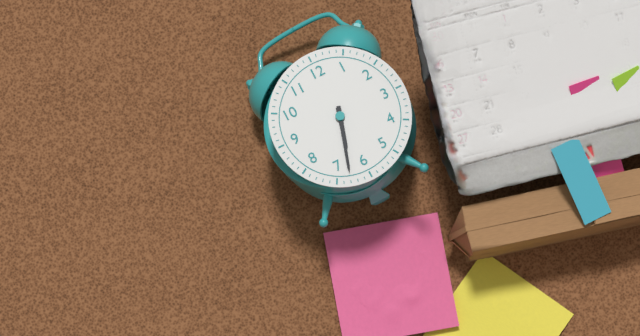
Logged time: 6 h 33 min
